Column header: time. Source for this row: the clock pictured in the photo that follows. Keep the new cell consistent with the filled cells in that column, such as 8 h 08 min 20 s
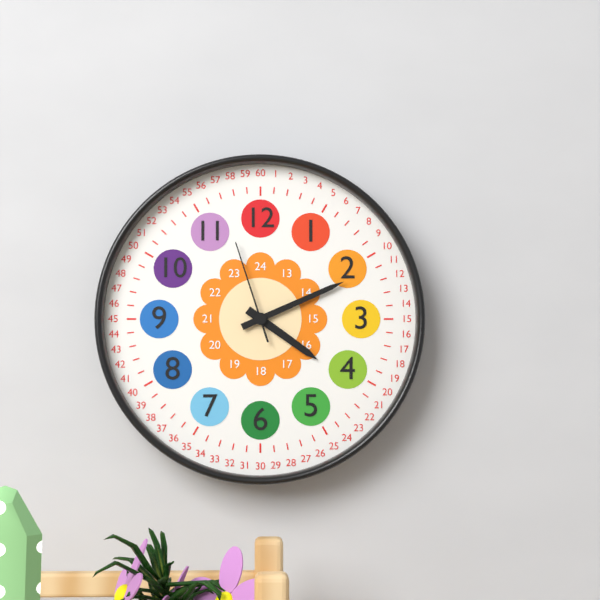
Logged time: 4 h 11 min 57 s
